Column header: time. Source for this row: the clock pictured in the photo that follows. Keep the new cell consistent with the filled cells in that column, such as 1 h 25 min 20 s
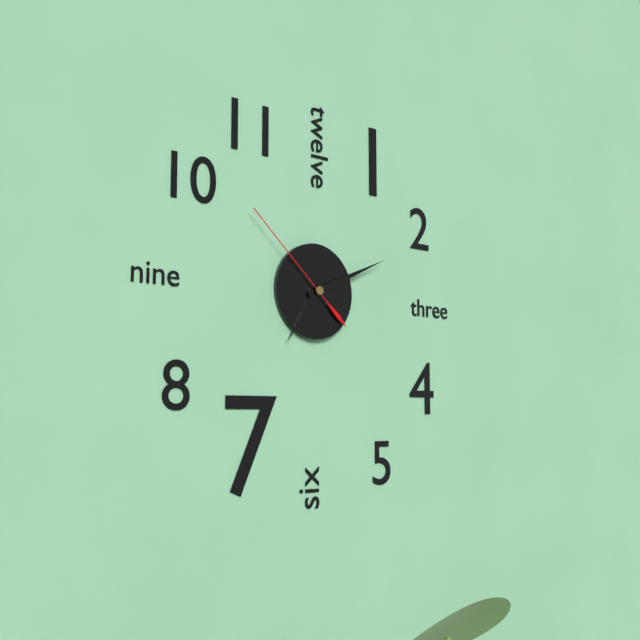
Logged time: 7 h 11 min 52 s
